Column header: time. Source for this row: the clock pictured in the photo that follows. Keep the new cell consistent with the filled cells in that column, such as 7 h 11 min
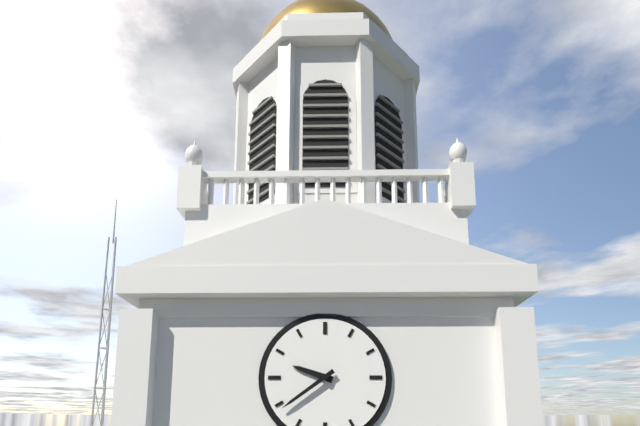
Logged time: 9 h 39 min
